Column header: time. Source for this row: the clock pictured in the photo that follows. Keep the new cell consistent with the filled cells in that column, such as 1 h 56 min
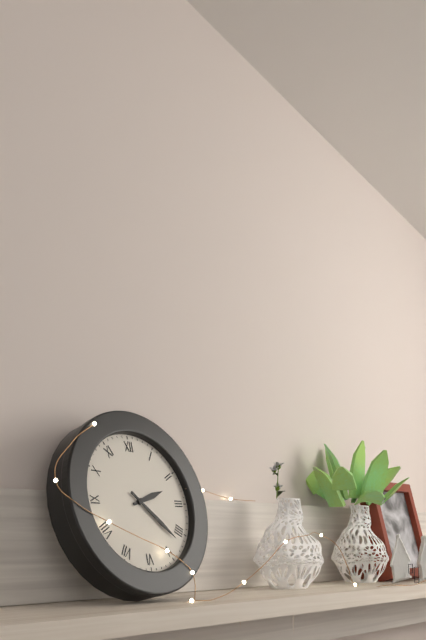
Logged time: 2 h 22 min
